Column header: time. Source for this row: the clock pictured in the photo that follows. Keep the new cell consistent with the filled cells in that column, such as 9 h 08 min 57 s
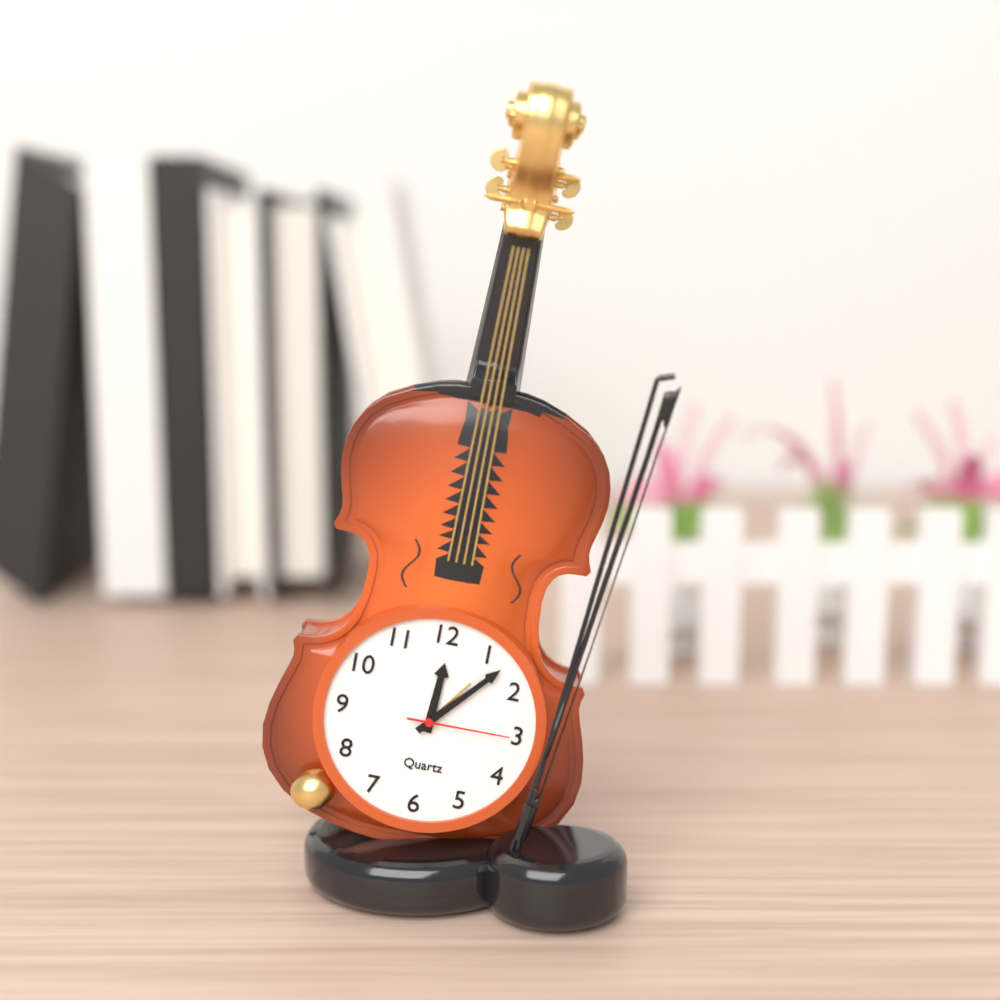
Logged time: 12 h 07 min 15 s
